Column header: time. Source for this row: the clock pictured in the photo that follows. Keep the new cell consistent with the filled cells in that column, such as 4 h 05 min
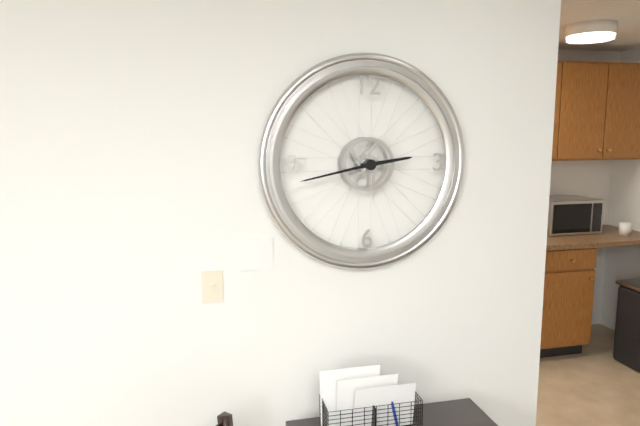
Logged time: 2 h 43 min
